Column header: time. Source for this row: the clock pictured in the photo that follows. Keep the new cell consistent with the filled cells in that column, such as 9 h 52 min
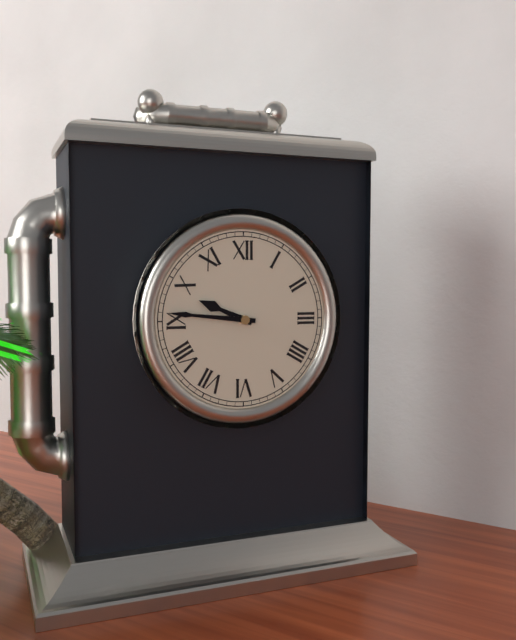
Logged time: 9 h 46 min
